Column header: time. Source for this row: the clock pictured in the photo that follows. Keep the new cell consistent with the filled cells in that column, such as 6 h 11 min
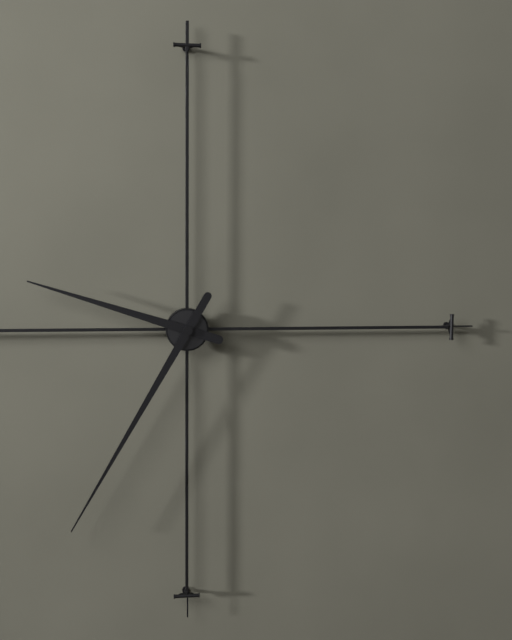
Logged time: 9 h 35 min
